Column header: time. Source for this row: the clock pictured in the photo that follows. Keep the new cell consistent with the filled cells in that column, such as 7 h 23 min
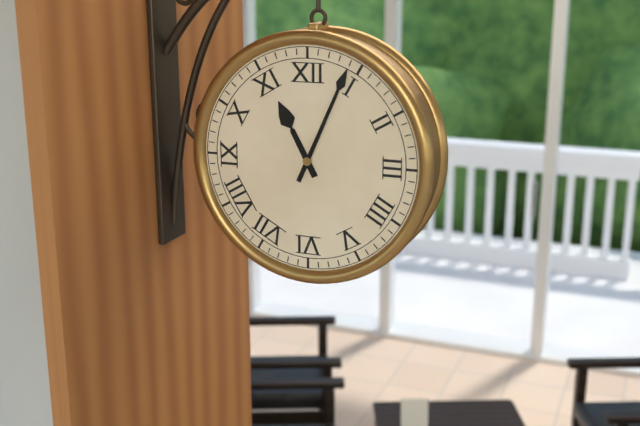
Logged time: 11 h 04 min
